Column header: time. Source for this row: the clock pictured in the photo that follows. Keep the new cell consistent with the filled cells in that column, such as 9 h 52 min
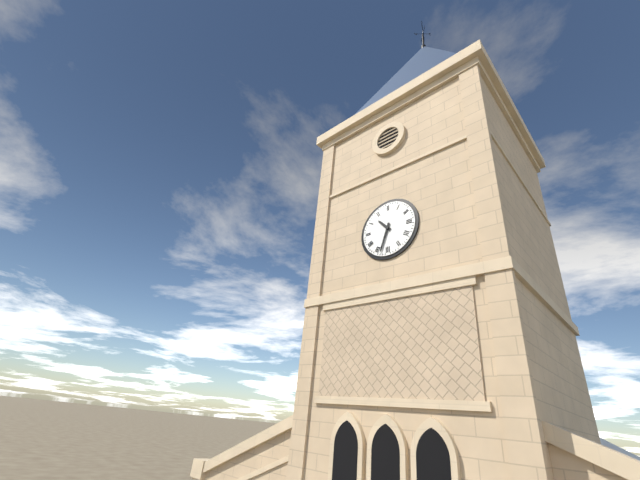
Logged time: 10 h 33 min
